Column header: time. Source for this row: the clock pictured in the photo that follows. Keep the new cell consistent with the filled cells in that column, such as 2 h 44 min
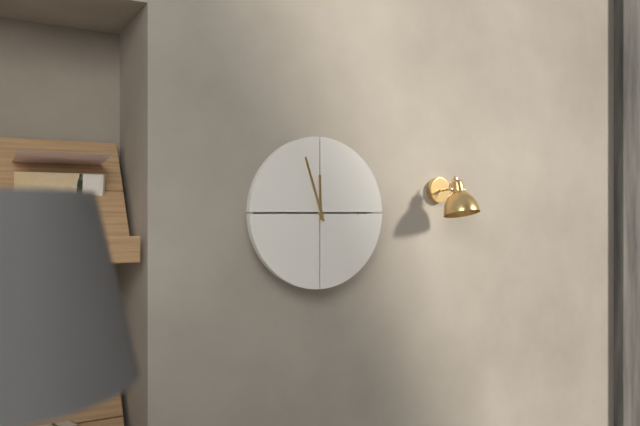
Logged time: 11 h 57 min
